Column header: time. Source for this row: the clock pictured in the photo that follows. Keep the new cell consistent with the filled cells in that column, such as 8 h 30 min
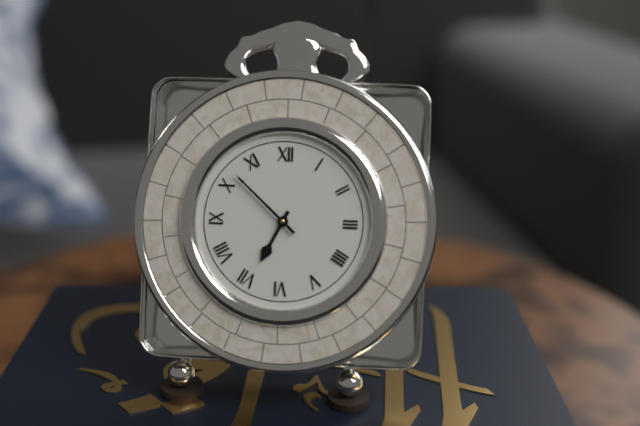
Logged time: 6 h 52 min
